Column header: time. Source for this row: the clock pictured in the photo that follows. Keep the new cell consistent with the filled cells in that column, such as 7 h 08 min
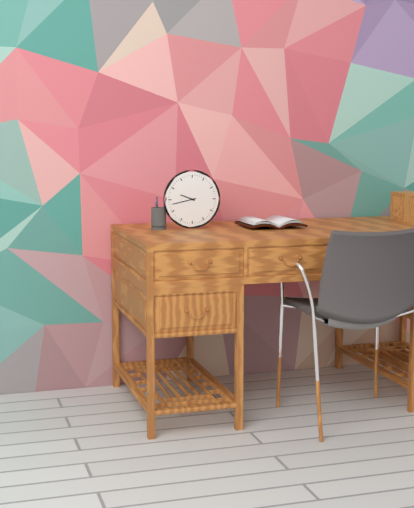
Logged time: 9 h 43 min
